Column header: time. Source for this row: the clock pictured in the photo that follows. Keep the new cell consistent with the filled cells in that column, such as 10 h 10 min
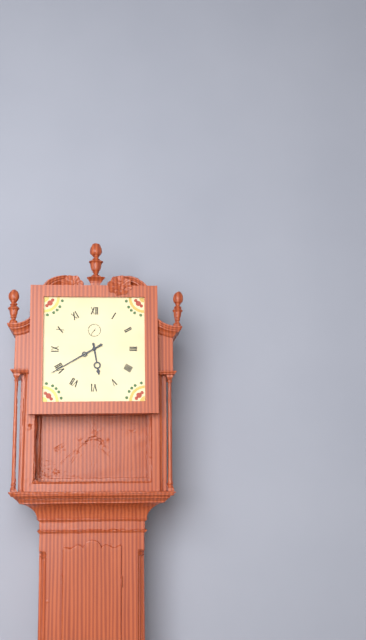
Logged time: 5 h 40 min
